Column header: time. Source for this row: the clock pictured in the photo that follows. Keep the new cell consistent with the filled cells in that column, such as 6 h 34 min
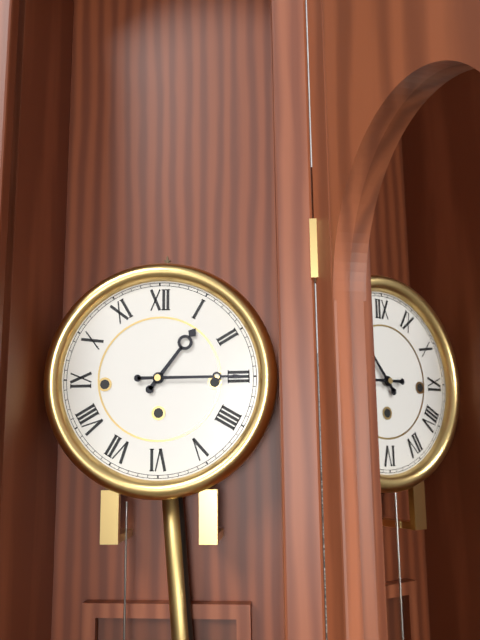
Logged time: 1 h 15 min
